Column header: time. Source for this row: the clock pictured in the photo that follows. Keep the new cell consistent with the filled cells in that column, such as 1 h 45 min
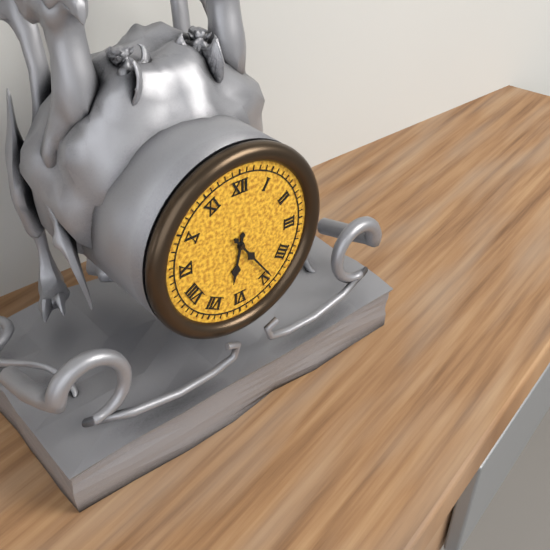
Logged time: 6 h 24 min
